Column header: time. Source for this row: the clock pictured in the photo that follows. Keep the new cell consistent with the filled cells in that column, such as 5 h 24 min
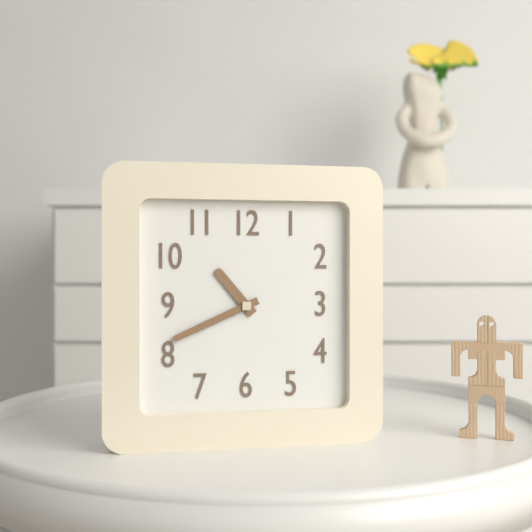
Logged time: 10 h 41 min
